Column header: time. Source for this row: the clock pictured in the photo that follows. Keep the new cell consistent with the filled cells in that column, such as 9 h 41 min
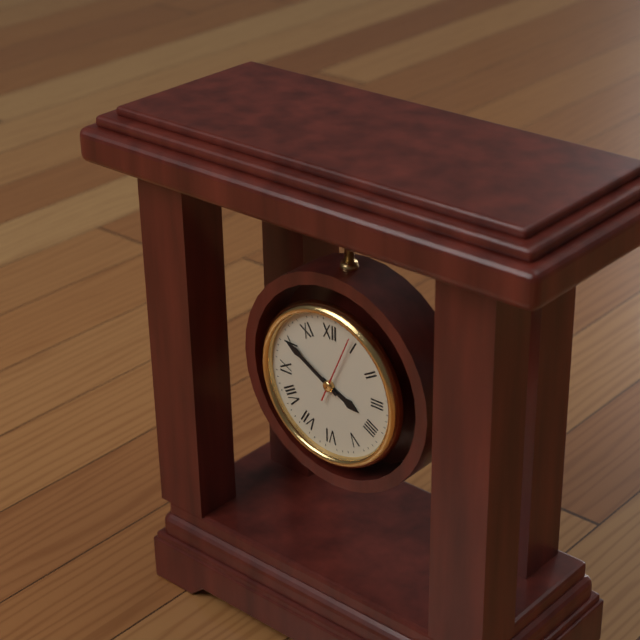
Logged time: 3 h 50 min
